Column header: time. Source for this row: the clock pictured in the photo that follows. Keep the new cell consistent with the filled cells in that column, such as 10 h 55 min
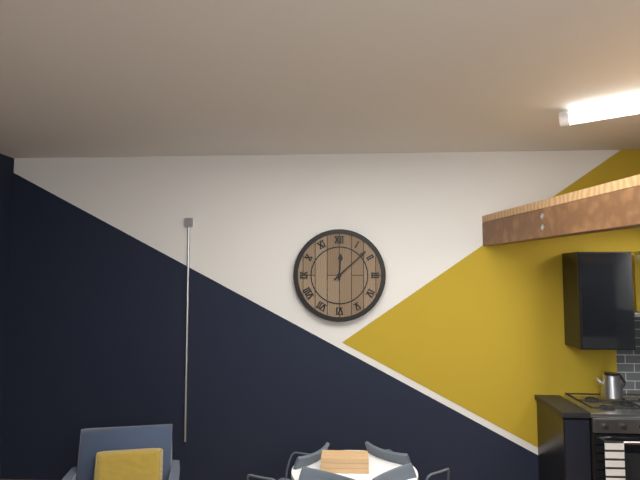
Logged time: 12 h 08 min
